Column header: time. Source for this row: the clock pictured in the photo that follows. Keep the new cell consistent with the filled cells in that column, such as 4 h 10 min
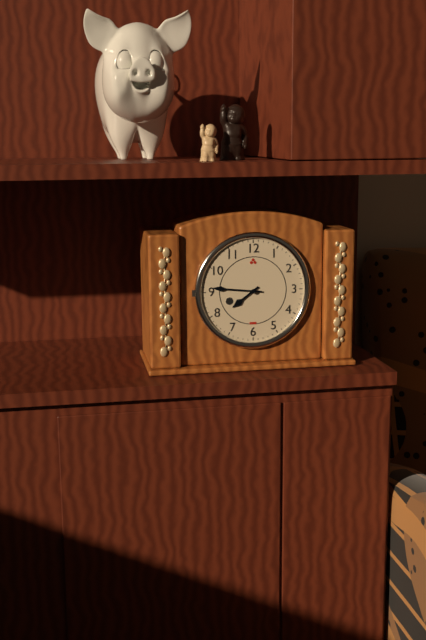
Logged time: 7 h 46 min
